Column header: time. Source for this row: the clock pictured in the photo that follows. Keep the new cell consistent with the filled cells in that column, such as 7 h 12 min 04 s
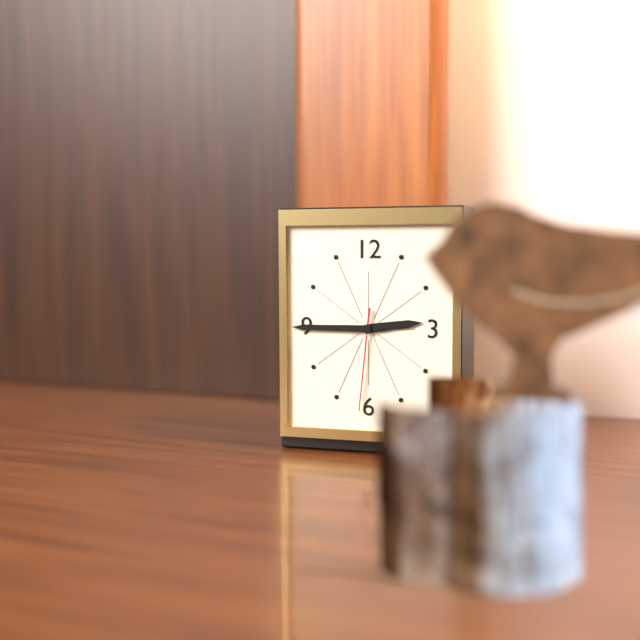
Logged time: 2 h 45 min 31 s
